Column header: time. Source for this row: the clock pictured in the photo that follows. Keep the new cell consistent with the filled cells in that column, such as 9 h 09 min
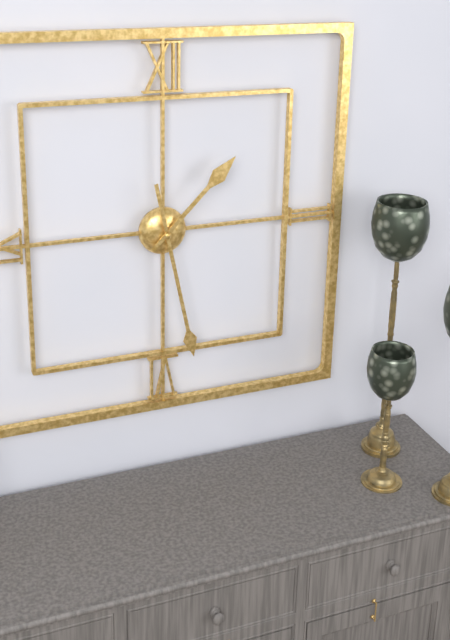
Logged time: 1 h 28 min
